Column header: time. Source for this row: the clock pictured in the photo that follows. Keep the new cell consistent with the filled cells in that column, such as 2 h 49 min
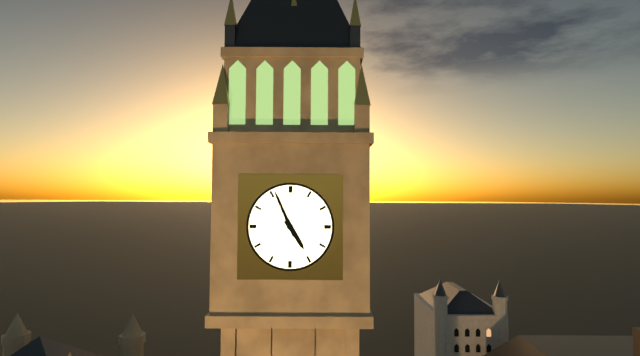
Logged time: 4 h 56 min
